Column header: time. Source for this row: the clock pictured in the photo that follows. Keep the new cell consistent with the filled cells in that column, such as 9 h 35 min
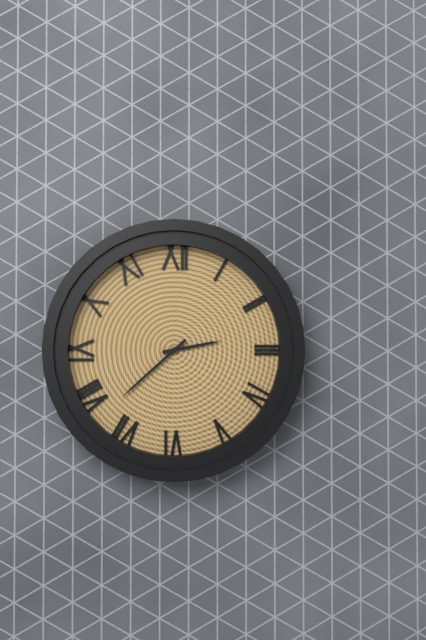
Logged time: 2 h 38 min
